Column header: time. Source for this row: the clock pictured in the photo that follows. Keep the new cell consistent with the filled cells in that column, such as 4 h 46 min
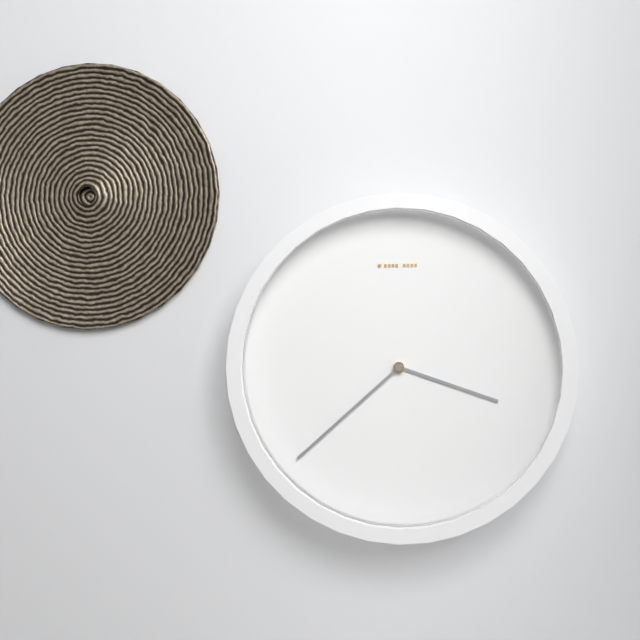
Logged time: 3 h 38 min
